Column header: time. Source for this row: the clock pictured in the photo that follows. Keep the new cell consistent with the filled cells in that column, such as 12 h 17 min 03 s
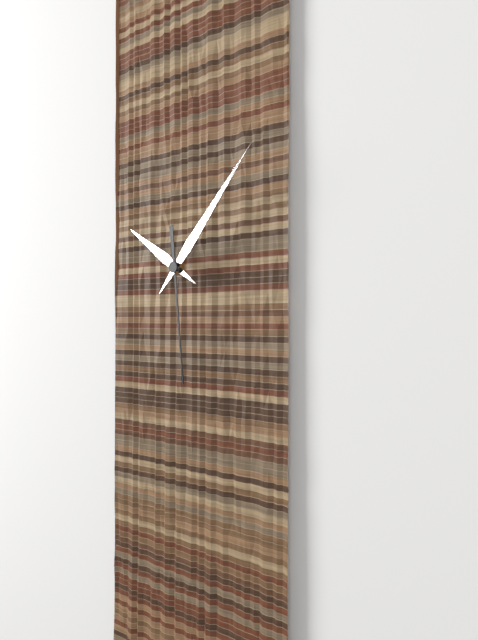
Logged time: 10 h 07 min 29 s
